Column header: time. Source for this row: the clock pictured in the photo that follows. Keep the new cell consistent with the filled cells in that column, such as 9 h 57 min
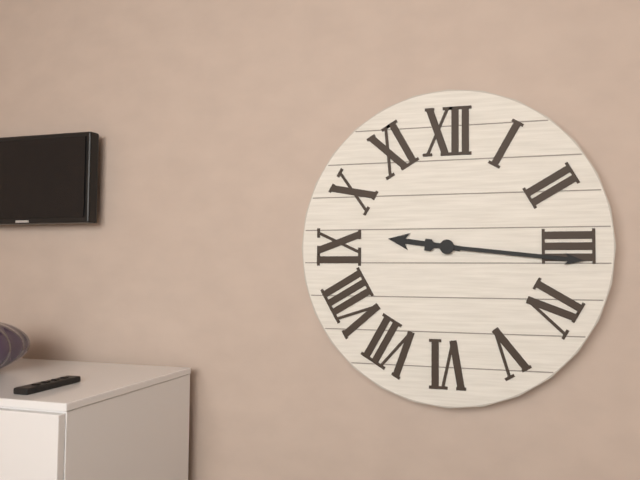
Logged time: 9 h 16 min
